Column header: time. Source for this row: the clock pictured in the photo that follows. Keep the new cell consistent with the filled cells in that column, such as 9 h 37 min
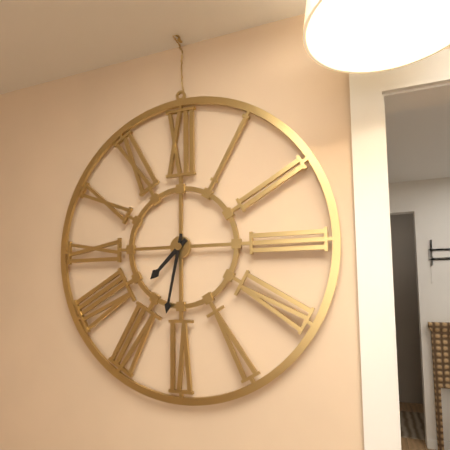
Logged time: 7 h 32 min
